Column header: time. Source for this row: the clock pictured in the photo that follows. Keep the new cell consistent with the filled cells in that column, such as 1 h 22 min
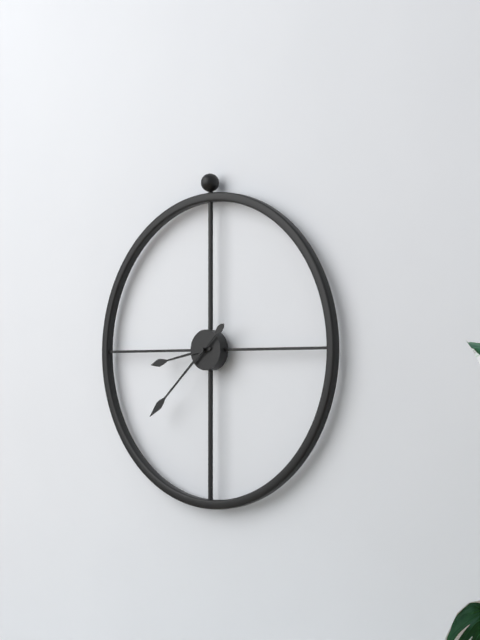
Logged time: 8 h 38 min
